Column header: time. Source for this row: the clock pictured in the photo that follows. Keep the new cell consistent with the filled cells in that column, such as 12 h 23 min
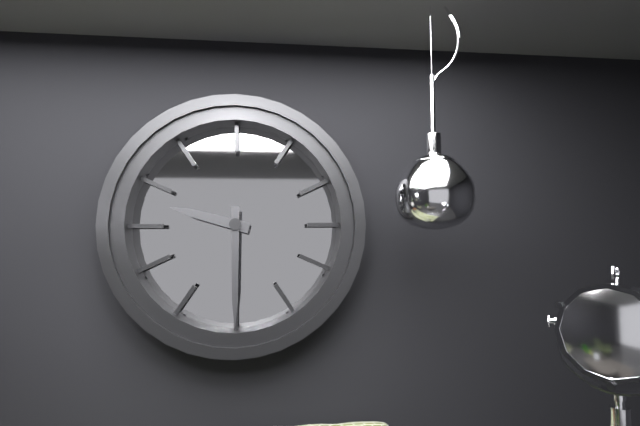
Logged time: 9 h 30 min
